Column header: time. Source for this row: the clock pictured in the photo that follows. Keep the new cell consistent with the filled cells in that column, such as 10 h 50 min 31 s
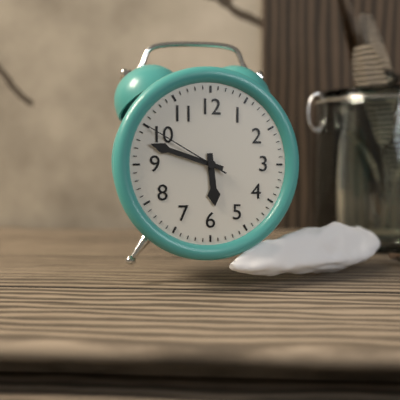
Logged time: 5 h 48 min 50 s
